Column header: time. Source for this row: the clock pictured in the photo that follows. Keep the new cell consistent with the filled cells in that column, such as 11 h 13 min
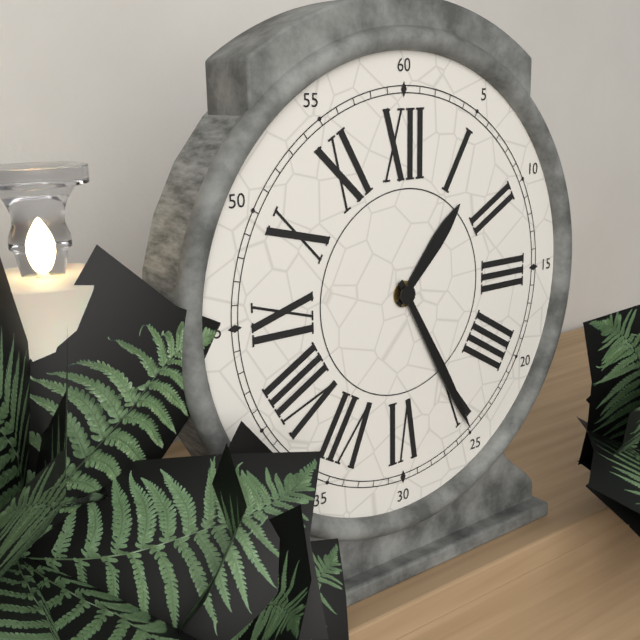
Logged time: 1 h 25 min
